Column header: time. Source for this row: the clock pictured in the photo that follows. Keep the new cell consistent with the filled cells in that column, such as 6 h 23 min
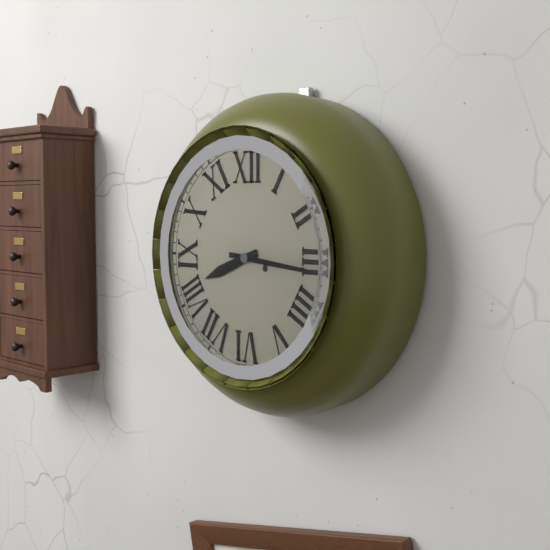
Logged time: 8 h 16 min
